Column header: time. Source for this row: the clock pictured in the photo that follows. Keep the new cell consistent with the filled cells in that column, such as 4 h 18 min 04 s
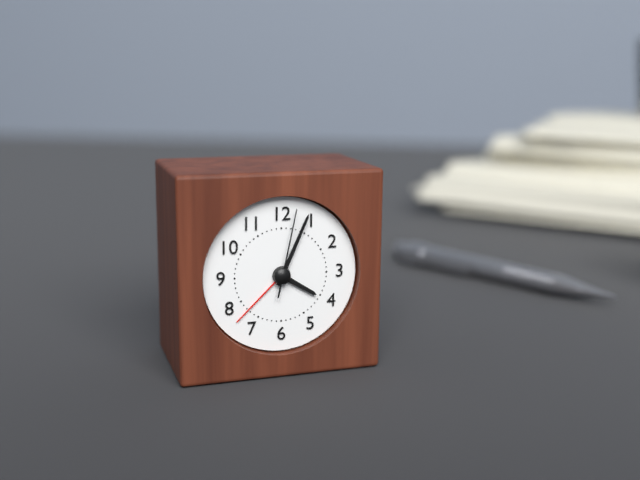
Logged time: 4 h 04 min 02 s
